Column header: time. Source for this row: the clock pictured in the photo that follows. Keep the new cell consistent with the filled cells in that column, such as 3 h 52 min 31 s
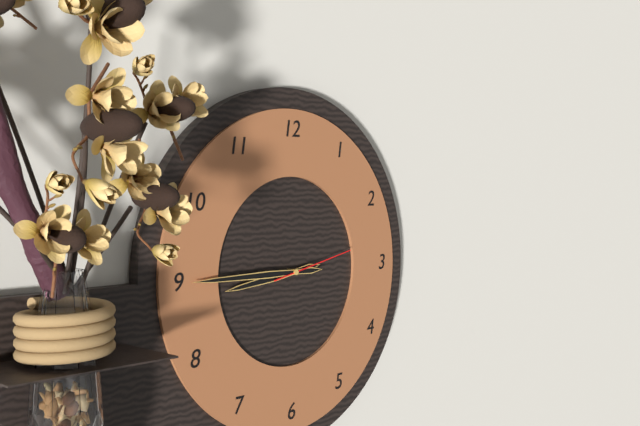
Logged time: 8 h 45 min 13 s
